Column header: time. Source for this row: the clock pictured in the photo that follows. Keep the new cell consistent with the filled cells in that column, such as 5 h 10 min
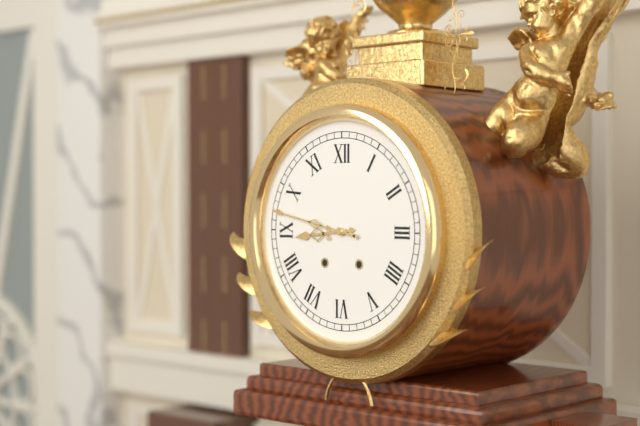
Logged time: 8 h 47 min
